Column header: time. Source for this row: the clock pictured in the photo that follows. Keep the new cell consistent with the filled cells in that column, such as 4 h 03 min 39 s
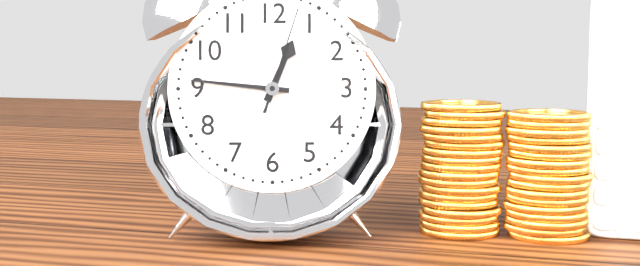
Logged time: 12 h 46 min 03 s
